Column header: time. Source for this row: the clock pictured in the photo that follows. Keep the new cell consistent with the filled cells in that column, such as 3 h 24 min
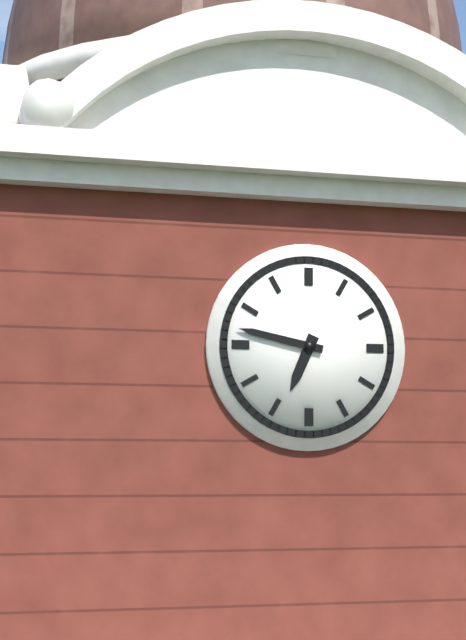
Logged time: 6 h 47 min
